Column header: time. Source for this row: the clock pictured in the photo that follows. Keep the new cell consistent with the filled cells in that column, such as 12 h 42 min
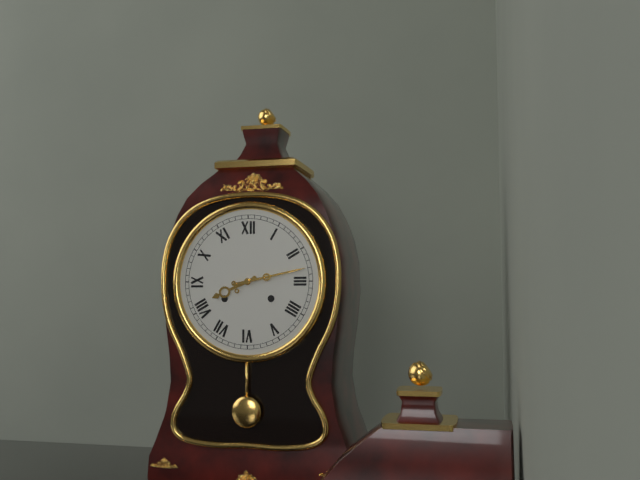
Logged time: 8 h 13 min
